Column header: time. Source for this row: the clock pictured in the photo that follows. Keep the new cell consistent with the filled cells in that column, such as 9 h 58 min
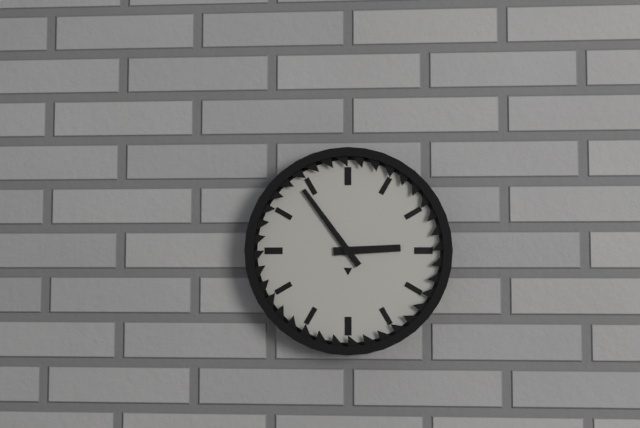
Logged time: 2 h 54 min
